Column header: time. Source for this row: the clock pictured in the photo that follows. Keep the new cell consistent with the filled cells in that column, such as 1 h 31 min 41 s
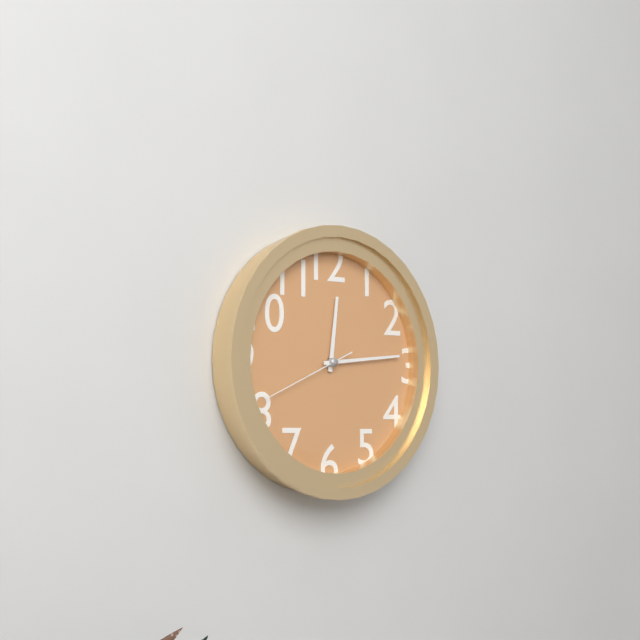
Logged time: 12 h 14 min 41 s
